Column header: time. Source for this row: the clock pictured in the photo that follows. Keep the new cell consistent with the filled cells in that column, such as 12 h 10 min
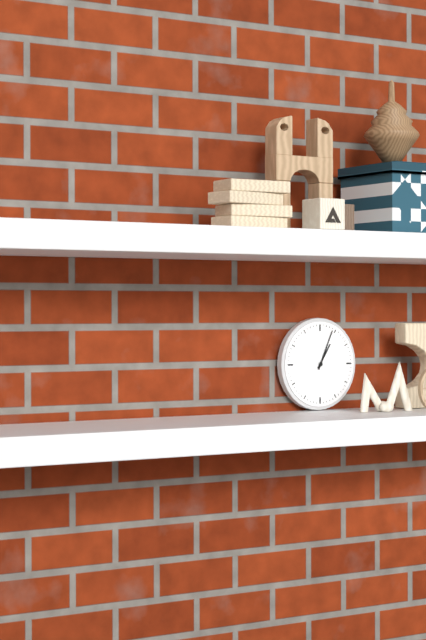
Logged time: 1 h 04 min
